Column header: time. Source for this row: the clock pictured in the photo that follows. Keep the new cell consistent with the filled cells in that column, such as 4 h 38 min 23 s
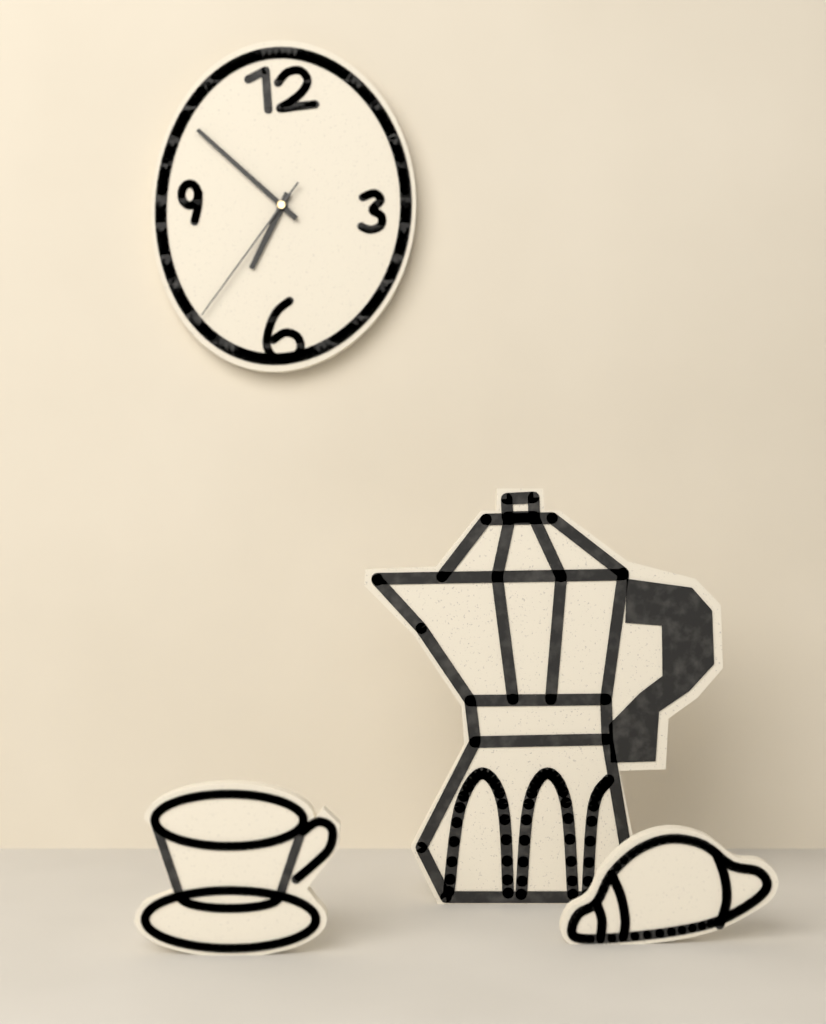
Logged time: 6 h 52 min 36 s
